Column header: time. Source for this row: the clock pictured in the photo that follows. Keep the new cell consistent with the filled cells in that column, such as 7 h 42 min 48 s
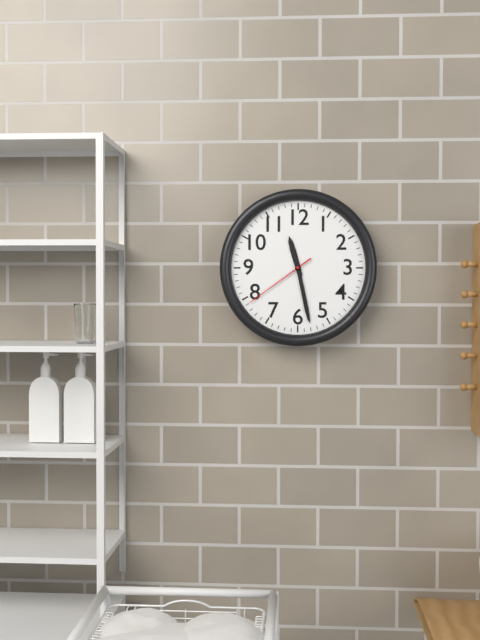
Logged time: 11 h 28 min 39 s
